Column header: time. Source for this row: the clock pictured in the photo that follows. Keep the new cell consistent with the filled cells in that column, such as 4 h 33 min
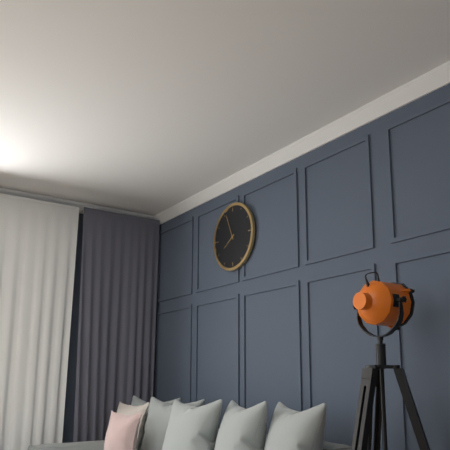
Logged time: 7 h 56 min
